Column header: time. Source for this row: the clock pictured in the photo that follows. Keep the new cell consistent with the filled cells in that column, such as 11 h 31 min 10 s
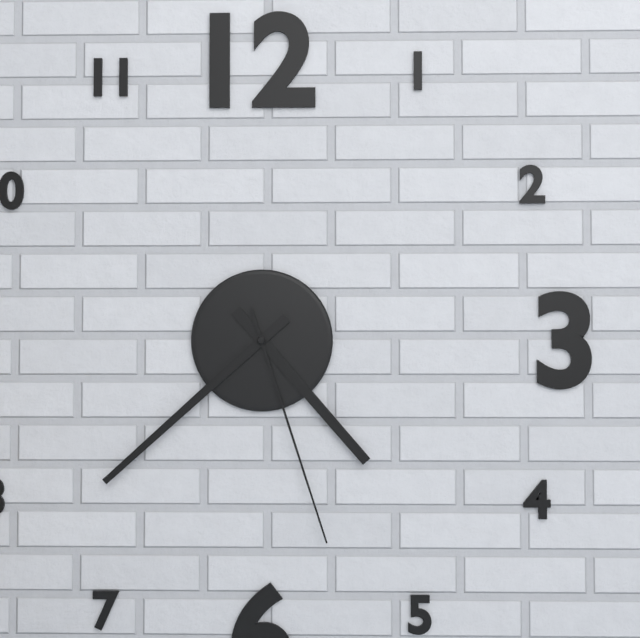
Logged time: 4 h 38 min 27 s
